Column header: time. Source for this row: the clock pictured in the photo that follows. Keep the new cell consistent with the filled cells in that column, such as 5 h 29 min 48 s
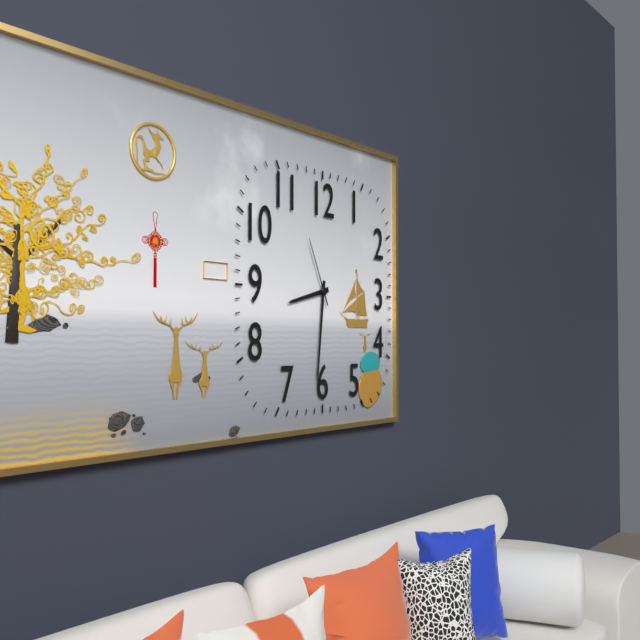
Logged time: 8 h 31 min 56 s
